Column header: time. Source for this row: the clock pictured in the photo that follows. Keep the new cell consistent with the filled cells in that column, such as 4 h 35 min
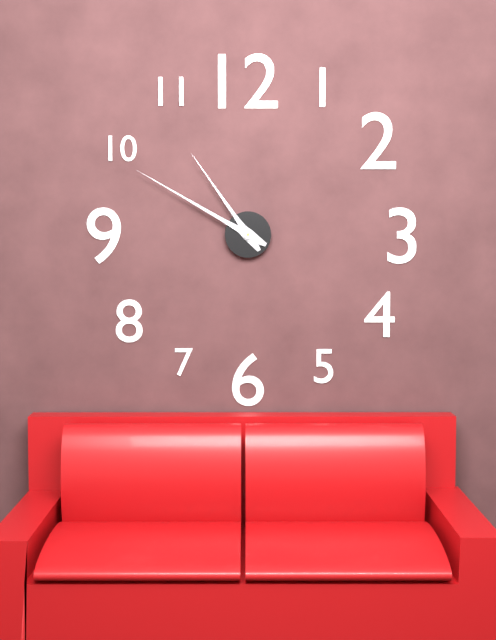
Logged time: 10 h 50 min
